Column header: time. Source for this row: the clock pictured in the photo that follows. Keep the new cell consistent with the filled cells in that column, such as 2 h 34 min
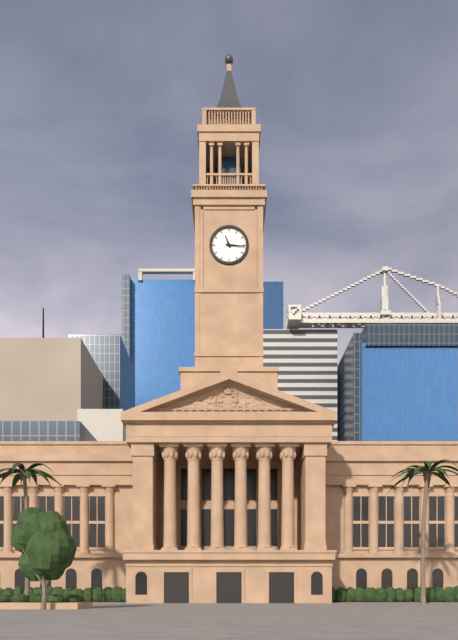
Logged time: 11 h 16 min
